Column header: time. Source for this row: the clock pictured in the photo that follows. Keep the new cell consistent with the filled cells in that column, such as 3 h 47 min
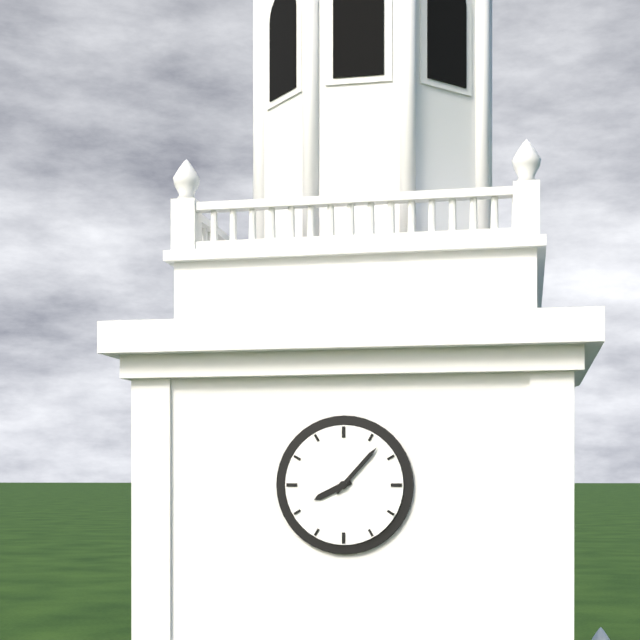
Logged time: 8 h 07 min
